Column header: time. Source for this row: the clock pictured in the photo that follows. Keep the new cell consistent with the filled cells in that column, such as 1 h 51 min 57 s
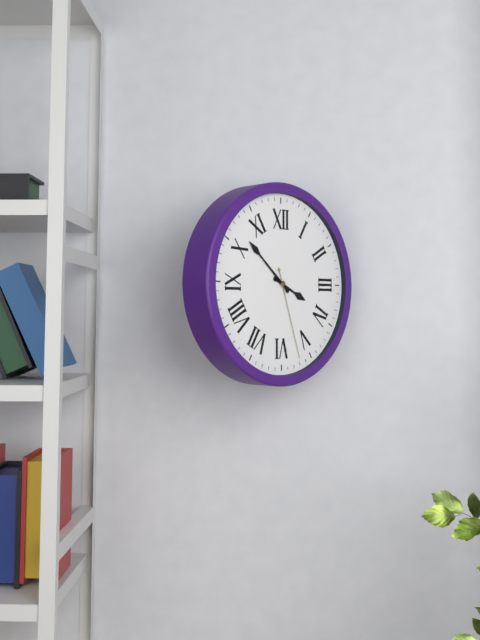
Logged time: 3 h 52 min 27 s
